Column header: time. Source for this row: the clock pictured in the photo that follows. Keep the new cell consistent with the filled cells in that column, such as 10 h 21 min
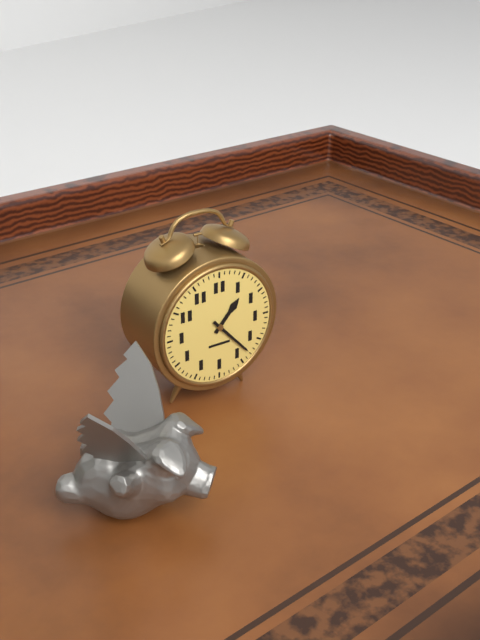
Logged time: 1 h 23 min
